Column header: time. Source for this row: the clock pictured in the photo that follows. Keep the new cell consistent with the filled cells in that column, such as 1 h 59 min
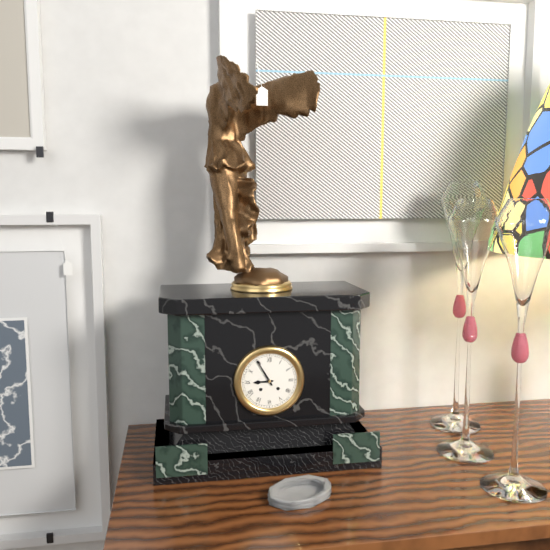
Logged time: 8 h 55 min
